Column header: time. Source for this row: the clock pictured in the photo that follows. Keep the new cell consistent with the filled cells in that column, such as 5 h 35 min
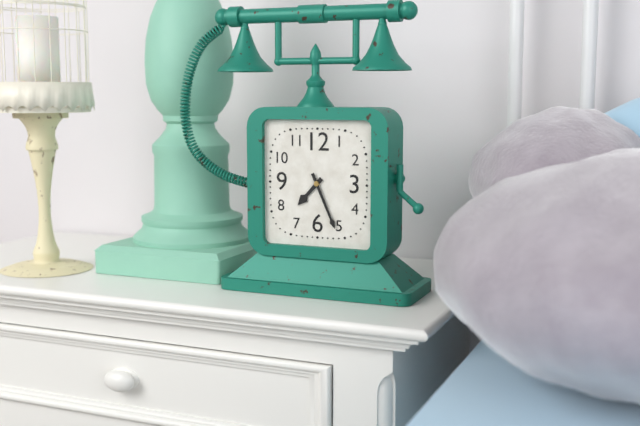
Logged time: 7 h 26 min
